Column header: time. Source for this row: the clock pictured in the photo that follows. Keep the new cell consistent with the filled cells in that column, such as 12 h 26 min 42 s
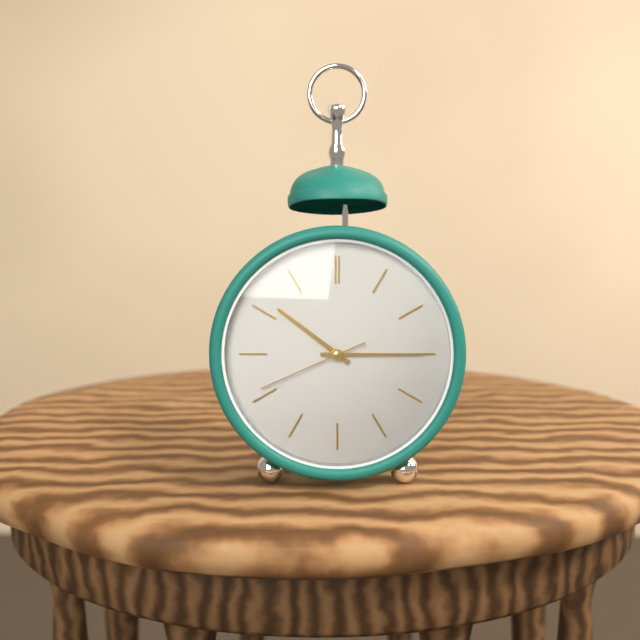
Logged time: 10 h 15 min 41 s
